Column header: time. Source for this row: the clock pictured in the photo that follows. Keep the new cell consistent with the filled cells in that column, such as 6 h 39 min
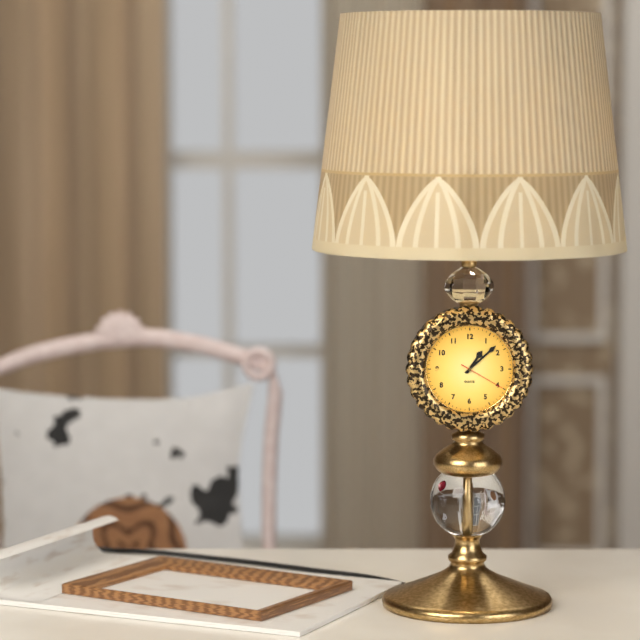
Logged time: 1 h 08 min
